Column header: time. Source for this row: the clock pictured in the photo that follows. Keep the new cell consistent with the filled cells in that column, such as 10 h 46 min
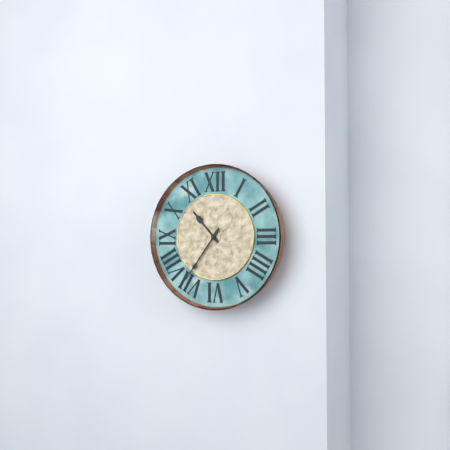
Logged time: 10 h 36 min
